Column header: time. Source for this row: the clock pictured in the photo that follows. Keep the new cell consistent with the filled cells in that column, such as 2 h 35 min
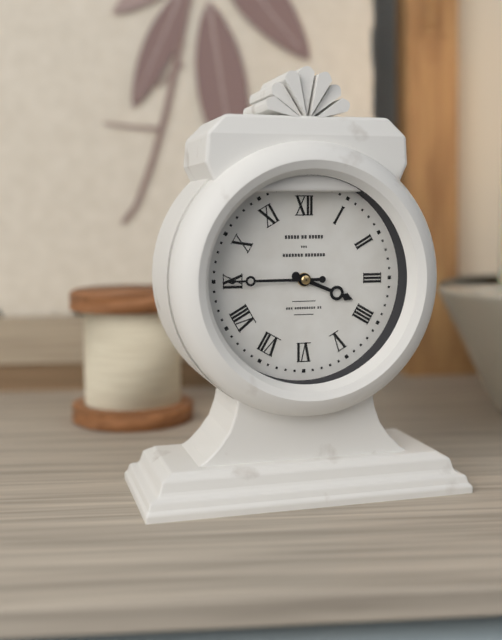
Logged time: 3 h 45 min
